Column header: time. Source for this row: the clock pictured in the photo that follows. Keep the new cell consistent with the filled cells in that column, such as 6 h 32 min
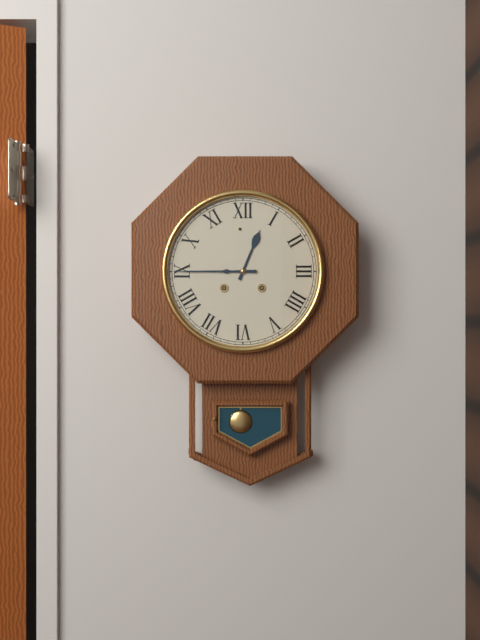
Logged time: 12 h 45 min
